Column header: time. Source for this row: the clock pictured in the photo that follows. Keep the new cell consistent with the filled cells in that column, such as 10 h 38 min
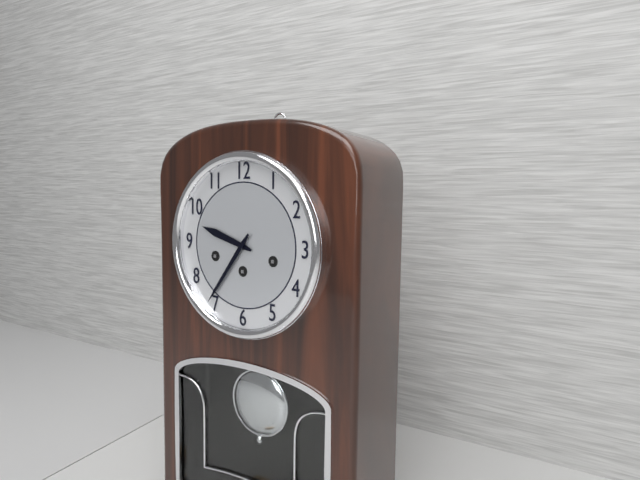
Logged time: 9 h 36 min
